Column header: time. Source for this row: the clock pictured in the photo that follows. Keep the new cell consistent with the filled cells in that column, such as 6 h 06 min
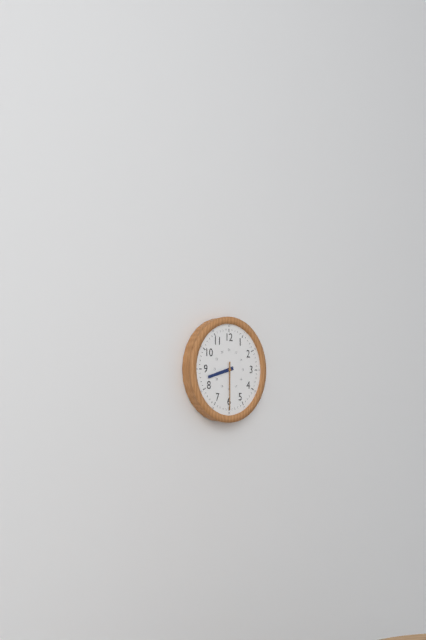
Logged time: 8 h 30 min
